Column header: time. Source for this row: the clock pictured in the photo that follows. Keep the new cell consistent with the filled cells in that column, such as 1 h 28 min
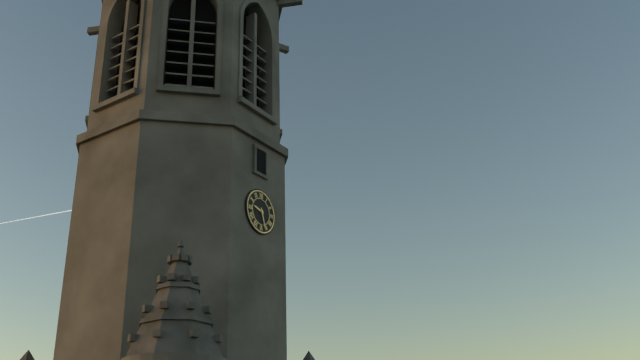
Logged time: 9 h 27 min
